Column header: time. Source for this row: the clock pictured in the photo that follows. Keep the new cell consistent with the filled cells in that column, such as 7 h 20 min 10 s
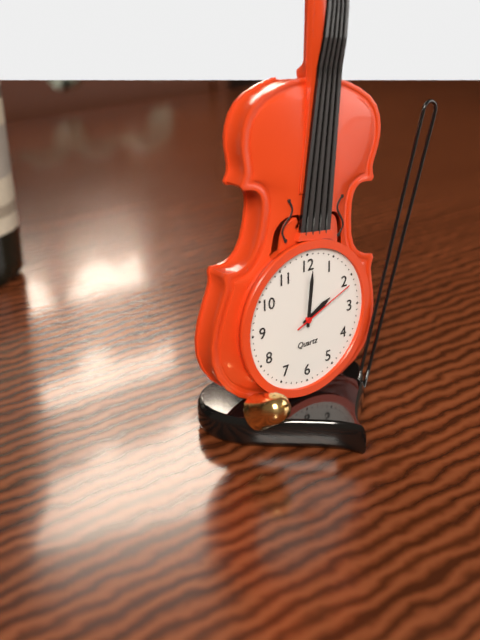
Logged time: 2 h 01 min 11 s
